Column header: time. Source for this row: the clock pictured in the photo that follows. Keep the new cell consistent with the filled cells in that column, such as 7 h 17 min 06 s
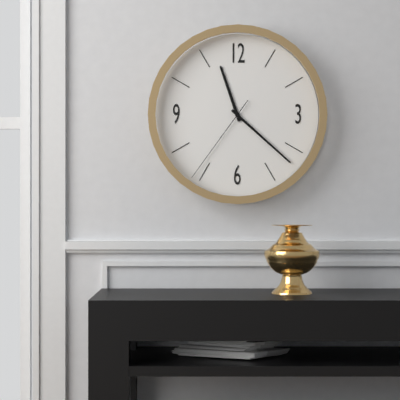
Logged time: 11 h 22 min 36 s
